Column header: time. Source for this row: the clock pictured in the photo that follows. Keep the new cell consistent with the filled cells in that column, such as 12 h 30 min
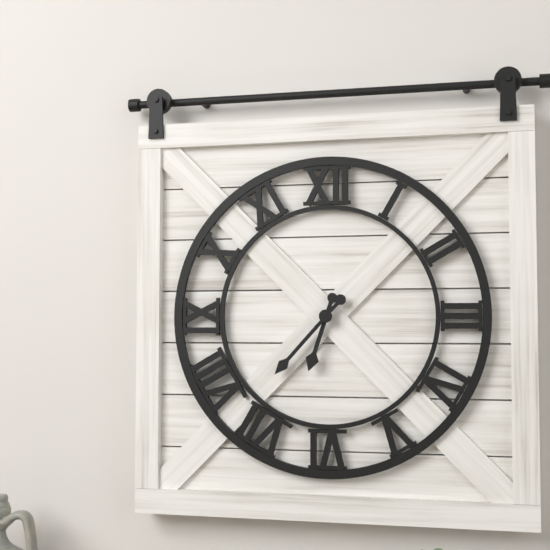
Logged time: 6 h 37 min
